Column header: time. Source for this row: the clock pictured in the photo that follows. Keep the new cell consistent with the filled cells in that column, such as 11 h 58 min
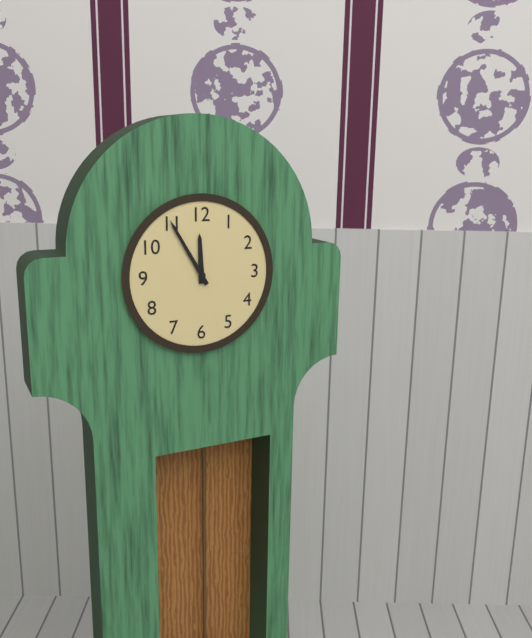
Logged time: 11 h 55 min
